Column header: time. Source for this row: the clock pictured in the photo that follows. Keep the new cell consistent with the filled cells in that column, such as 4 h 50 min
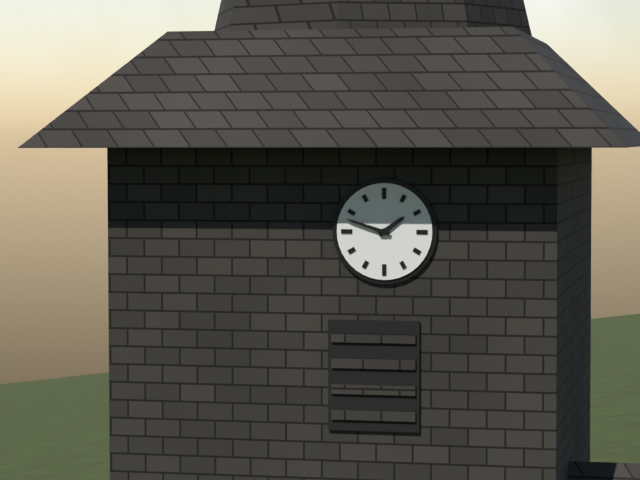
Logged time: 1 h 48 min
